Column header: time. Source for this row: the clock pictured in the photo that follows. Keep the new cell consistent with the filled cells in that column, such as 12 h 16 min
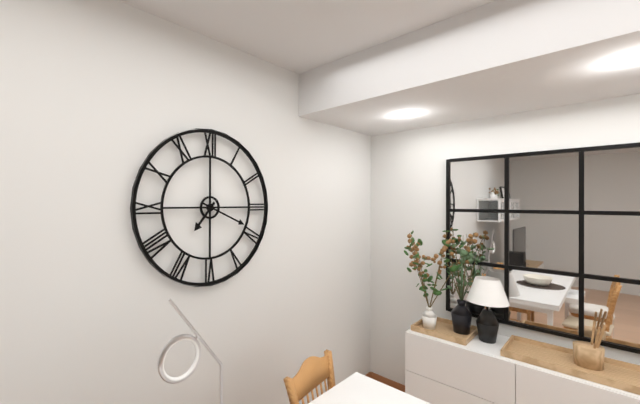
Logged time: 7 h 19 min
